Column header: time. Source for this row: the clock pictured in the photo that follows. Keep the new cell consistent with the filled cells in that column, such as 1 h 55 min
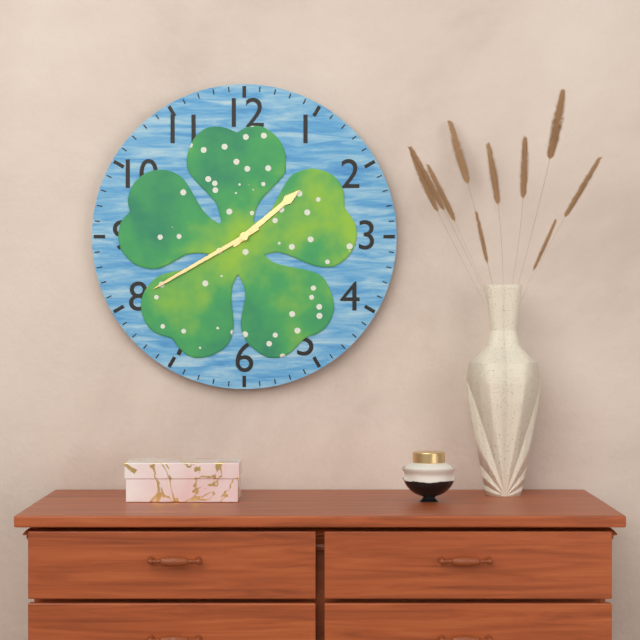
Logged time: 1 h 40 min
